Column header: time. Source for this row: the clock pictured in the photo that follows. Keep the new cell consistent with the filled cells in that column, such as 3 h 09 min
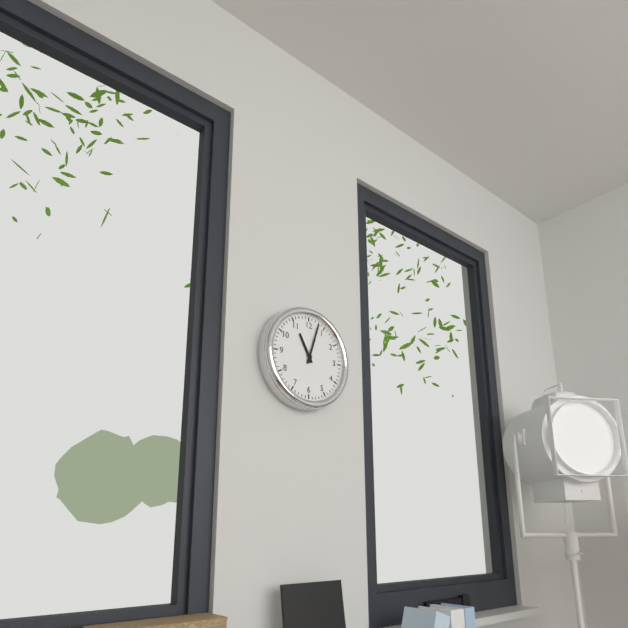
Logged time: 11 h 03 min
